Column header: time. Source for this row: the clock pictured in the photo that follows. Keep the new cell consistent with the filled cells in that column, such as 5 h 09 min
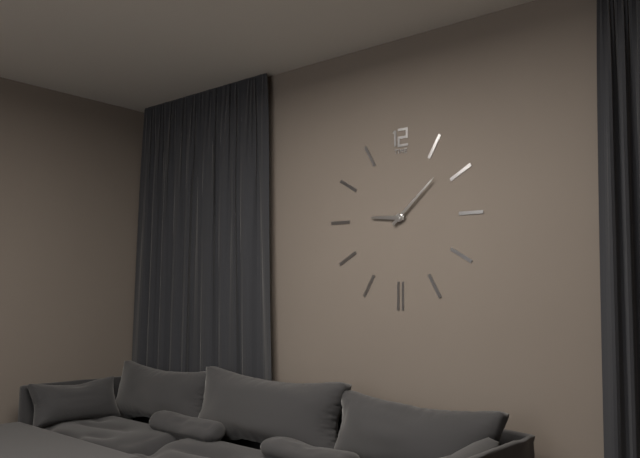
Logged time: 9 h 08 min
